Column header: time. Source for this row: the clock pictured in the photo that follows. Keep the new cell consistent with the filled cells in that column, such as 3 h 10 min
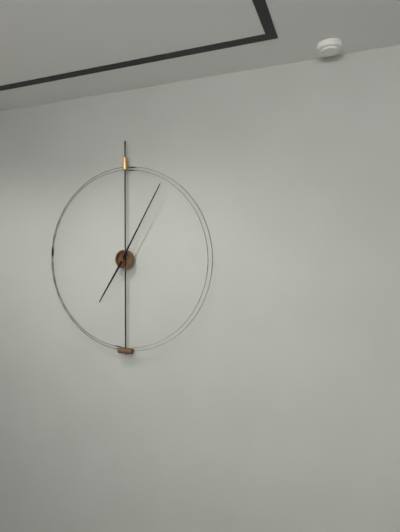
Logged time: 7 h 05 min
